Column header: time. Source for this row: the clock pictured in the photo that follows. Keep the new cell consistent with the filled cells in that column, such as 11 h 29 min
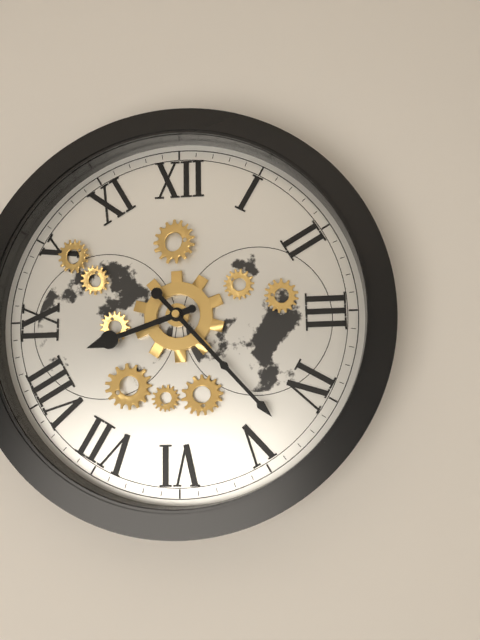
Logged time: 8 h 23 min
